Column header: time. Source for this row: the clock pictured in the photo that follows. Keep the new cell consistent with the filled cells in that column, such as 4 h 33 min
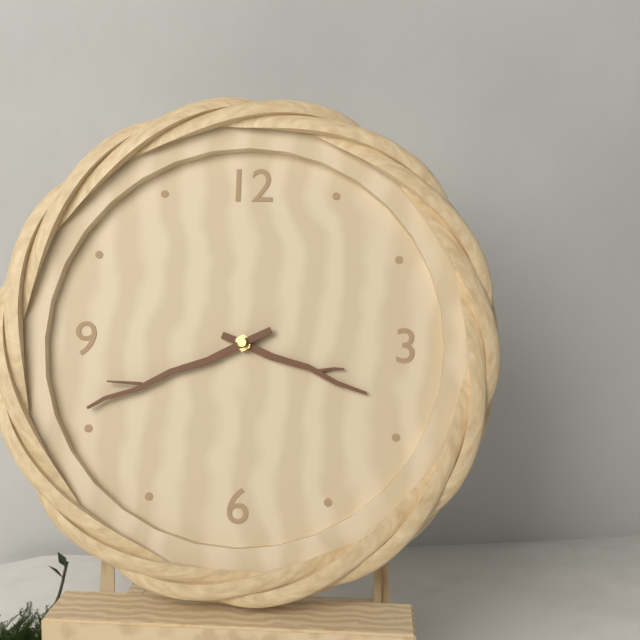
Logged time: 3 h 41 min
